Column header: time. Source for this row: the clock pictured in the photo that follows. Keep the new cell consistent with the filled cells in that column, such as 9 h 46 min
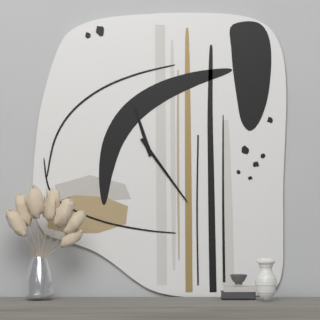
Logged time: 11 h 24 min
